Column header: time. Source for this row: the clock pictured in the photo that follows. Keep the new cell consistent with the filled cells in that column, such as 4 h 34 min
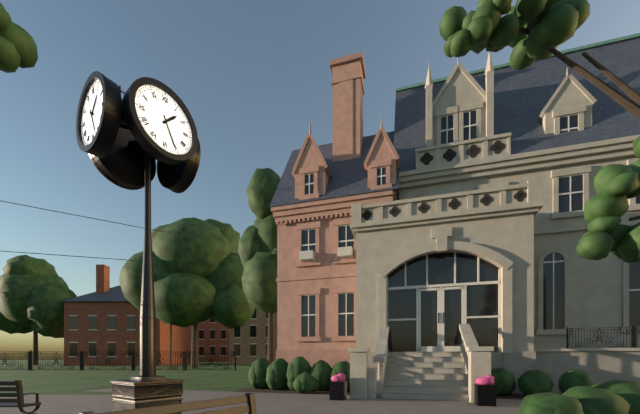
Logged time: 1 h 26 min
